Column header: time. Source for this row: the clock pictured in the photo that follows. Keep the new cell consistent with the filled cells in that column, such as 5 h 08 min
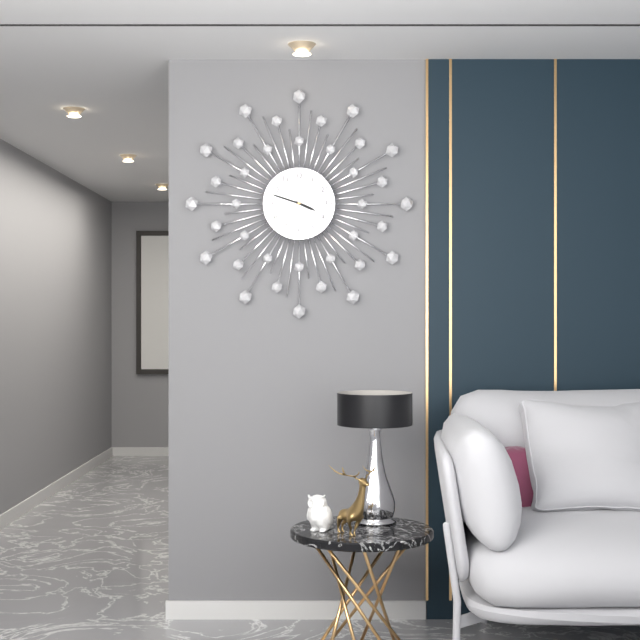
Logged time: 3 h 48 min
